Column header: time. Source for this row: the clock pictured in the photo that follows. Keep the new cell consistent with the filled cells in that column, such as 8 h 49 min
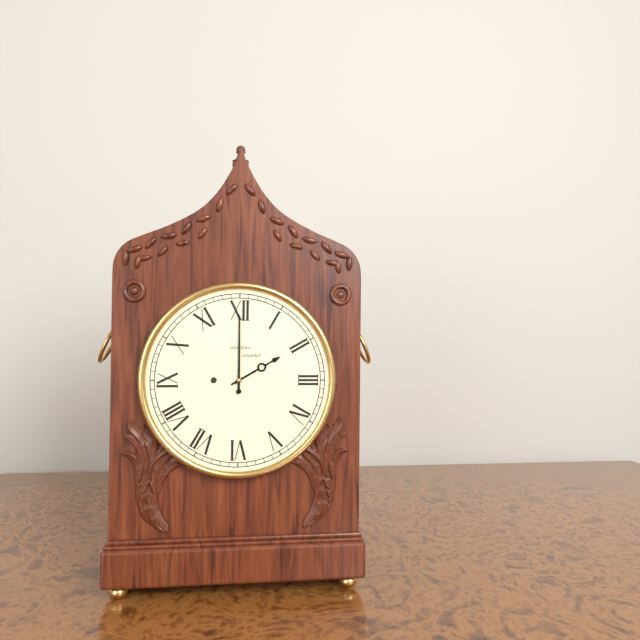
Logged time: 2 h 00 min
